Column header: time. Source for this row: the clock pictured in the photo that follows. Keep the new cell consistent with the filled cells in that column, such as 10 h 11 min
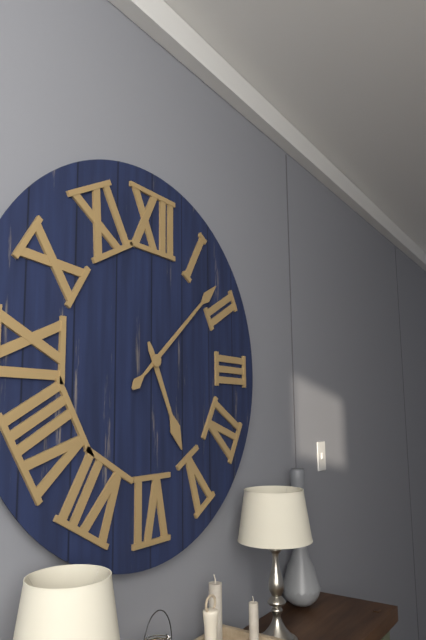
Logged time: 5 h 08 min
